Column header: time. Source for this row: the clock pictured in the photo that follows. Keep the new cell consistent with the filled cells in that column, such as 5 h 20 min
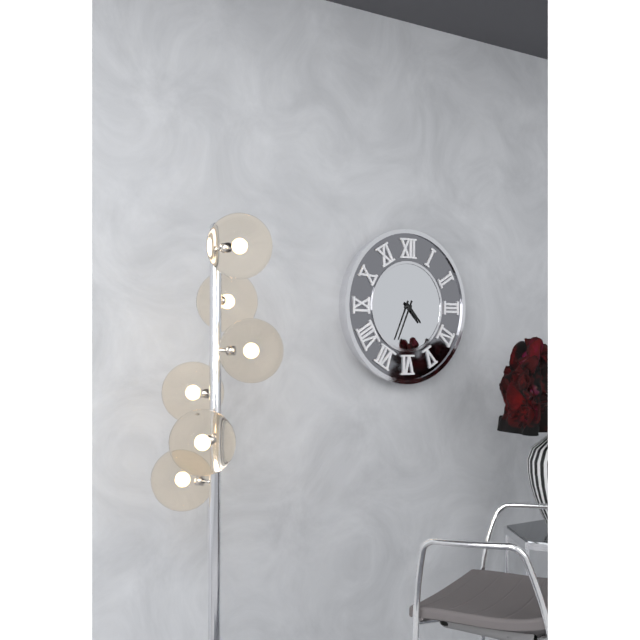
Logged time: 4 h 34 min
